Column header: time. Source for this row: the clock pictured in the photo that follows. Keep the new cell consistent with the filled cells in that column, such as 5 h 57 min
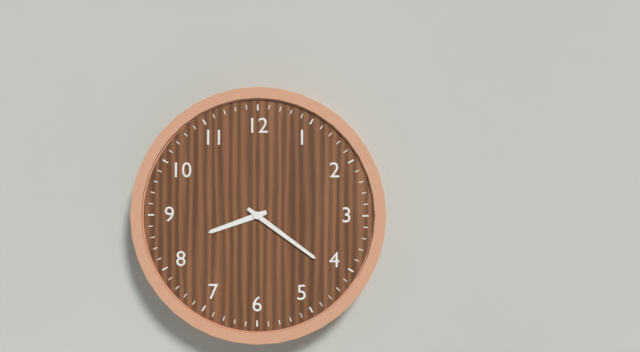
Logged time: 8 h 21 min
